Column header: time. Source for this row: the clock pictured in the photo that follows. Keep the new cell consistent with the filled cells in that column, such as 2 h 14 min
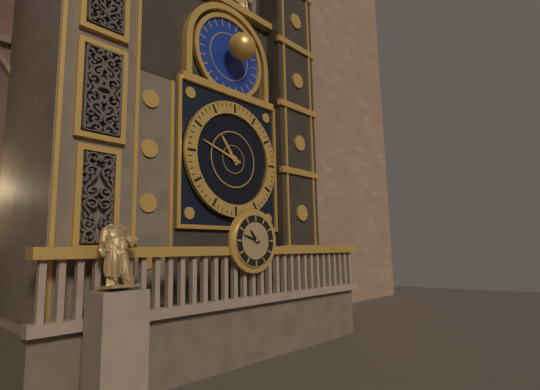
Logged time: 10 h 48 min
